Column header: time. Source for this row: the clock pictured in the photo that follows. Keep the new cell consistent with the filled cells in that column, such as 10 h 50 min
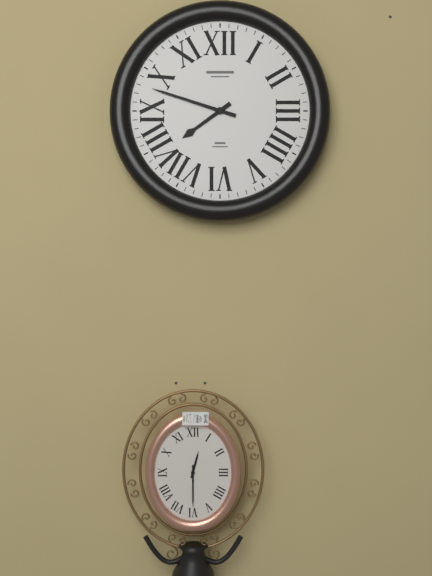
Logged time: 7 h 48 min
